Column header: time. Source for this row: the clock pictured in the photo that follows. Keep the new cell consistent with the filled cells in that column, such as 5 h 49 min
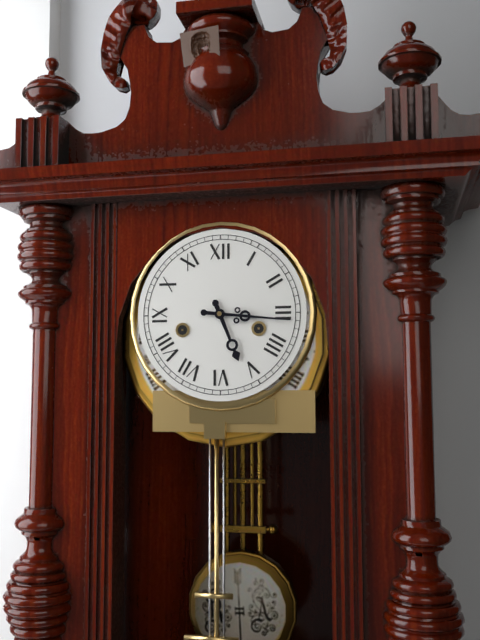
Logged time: 5 h 16 min
